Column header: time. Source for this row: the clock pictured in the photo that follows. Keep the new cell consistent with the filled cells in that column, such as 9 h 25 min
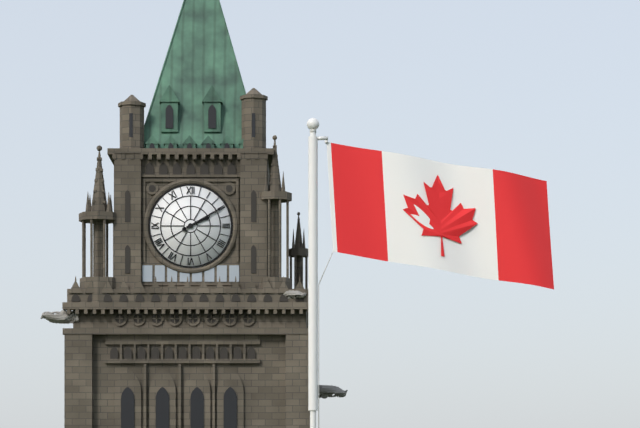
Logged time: 2 h 10 min
